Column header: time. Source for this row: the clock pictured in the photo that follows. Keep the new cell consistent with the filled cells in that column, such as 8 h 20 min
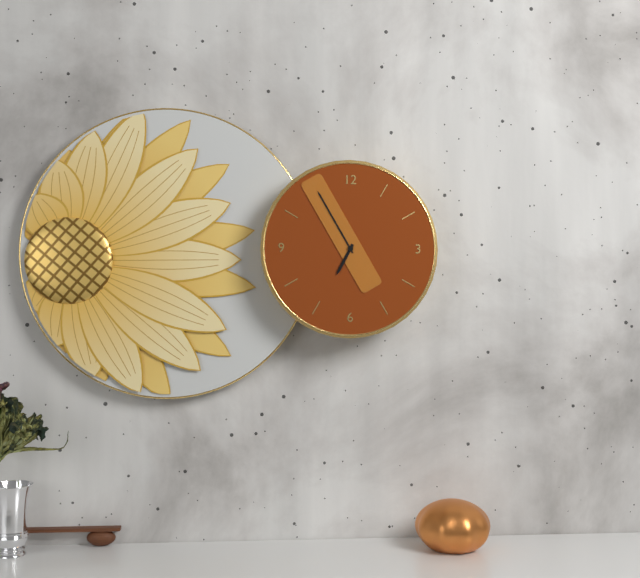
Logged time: 6 h 55 min
